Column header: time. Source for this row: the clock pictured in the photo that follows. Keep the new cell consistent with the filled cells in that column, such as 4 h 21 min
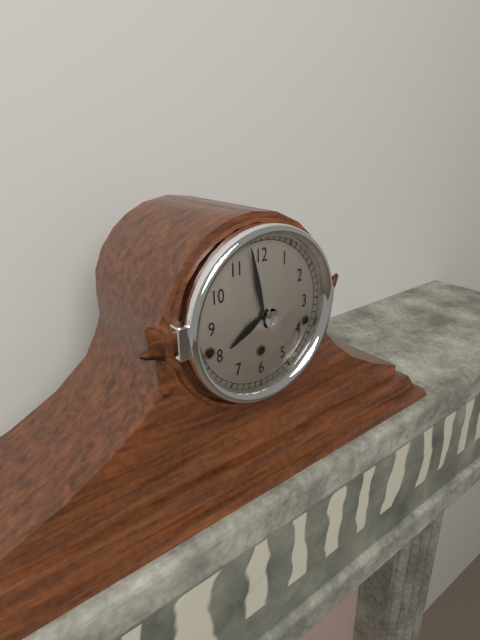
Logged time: 7 h 58 min
